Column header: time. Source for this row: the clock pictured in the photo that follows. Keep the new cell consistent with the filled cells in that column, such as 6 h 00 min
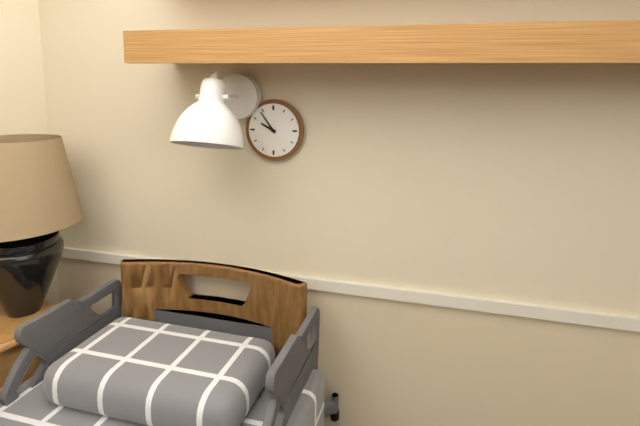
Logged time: 9 h 54 min
